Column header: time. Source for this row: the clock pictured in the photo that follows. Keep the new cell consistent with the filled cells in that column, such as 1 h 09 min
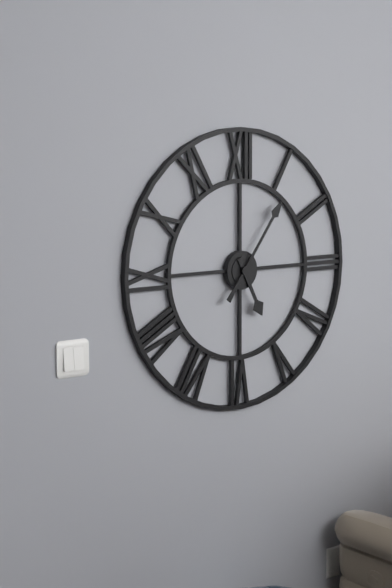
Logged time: 5 h 06 min
